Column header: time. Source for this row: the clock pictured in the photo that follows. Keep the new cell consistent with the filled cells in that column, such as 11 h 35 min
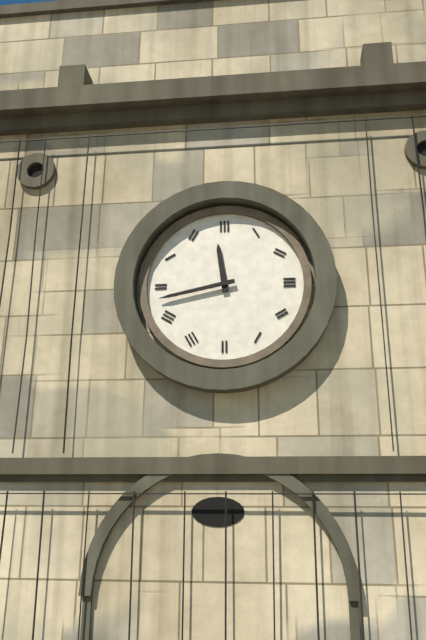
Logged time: 11 h 43 min
